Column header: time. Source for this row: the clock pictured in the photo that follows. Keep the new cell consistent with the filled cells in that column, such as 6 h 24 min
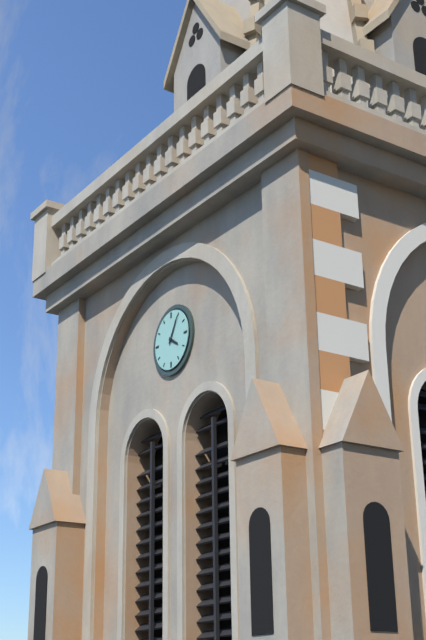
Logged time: 4 h 05 min
